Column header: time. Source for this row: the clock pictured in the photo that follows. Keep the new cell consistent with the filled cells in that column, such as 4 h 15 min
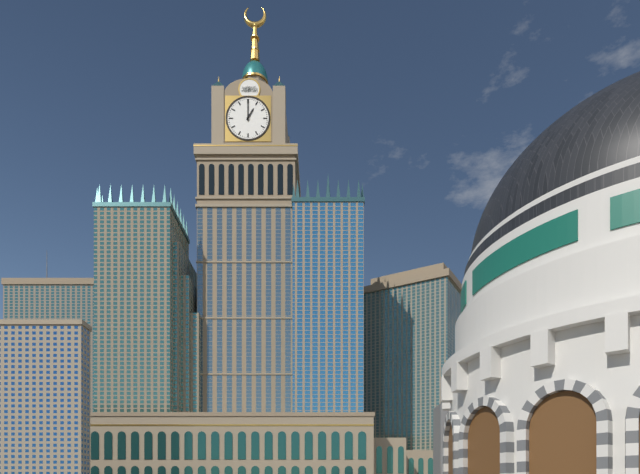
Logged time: 1 h 00 min
